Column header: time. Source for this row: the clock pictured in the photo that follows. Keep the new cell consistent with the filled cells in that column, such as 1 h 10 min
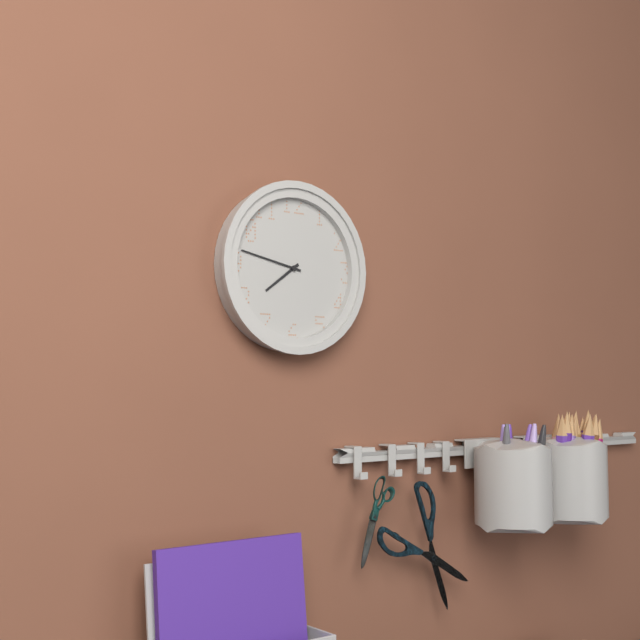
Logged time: 7 h 47 min
